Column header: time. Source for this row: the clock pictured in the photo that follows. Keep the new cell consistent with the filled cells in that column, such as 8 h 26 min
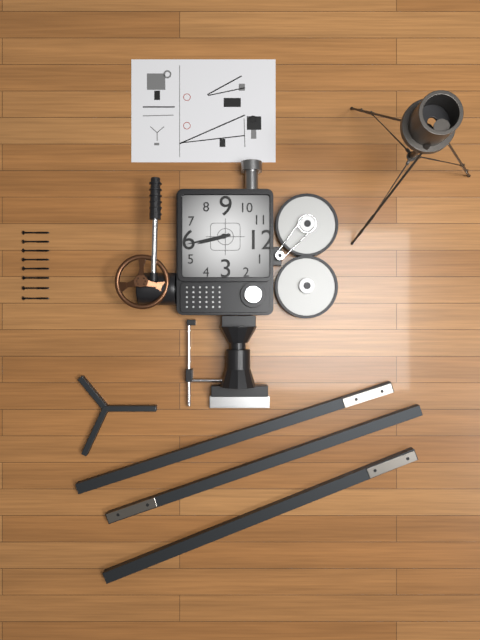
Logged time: 5 h 28 min
